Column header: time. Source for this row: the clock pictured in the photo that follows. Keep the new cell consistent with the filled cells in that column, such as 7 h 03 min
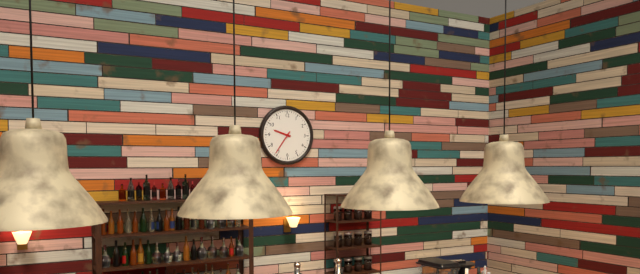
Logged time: 9 h 36 min
